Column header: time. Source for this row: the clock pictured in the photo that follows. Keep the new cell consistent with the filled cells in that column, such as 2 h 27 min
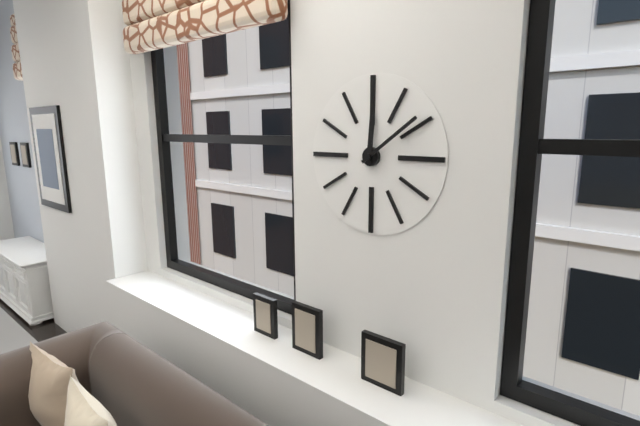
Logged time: 12 h 09 min
